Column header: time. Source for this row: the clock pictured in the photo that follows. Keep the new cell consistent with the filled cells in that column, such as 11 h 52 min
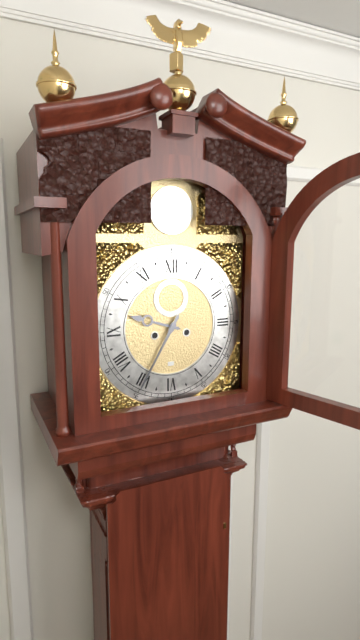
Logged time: 9 h 35 min
